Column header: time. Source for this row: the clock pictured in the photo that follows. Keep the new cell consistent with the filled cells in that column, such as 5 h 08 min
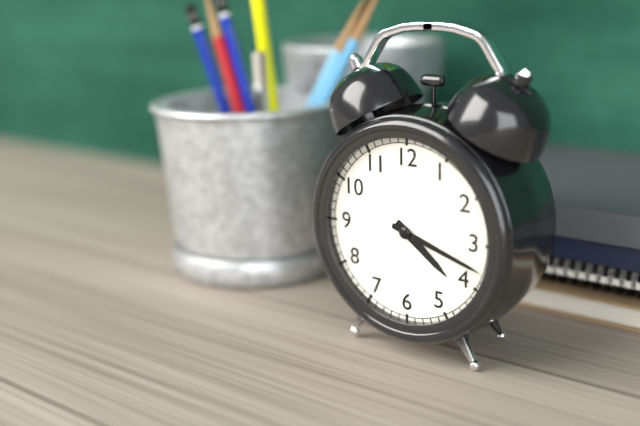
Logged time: 4 h 18 min
